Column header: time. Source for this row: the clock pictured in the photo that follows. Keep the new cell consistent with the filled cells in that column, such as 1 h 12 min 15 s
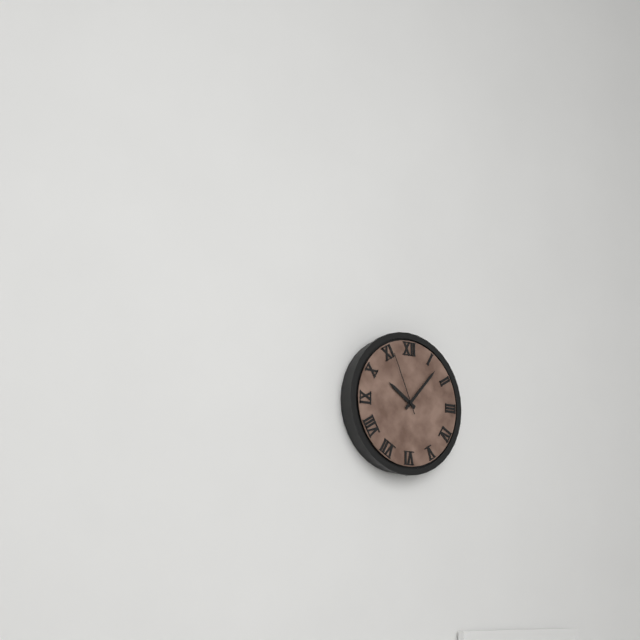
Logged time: 10 h 07 min 56 s
